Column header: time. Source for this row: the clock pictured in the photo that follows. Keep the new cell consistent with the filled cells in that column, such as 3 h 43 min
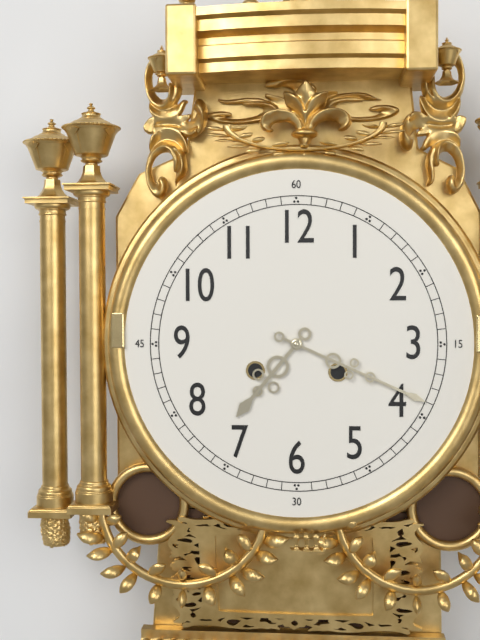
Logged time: 7 h 19 min
